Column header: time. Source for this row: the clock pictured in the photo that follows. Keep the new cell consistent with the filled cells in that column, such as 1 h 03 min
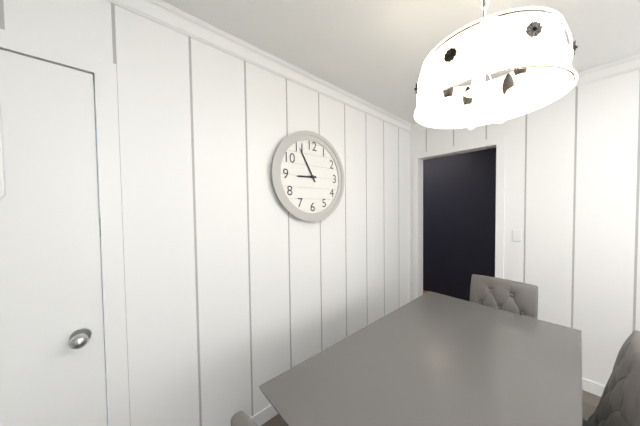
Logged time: 8 h 55 min
